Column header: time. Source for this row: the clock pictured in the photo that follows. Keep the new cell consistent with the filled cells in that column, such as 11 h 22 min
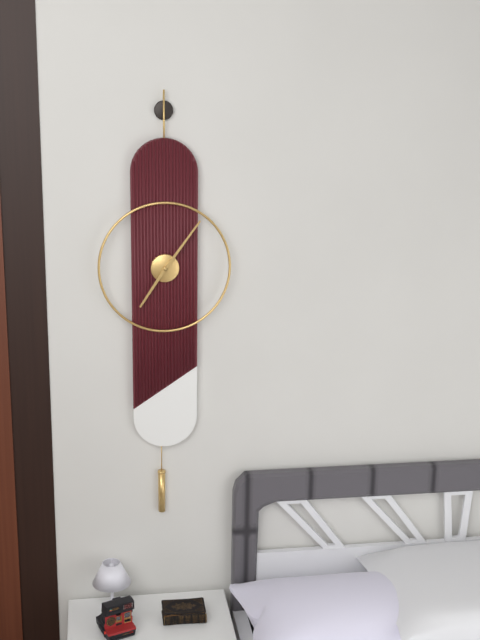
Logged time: 7 h 06 min
